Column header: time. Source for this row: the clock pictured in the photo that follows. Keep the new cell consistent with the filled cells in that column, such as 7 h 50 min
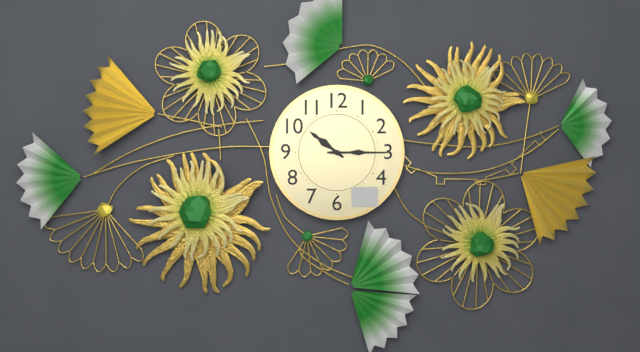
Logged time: 10 h 15 min
